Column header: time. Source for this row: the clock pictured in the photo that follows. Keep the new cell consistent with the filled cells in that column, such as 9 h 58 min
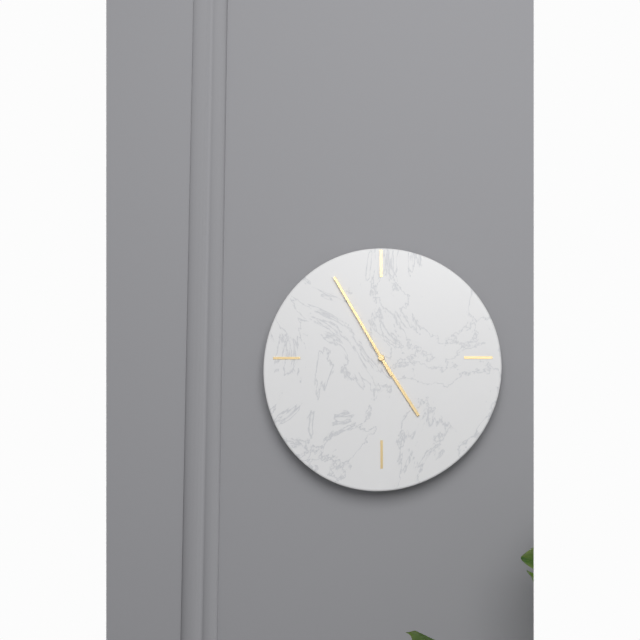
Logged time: 4 h 55 min
